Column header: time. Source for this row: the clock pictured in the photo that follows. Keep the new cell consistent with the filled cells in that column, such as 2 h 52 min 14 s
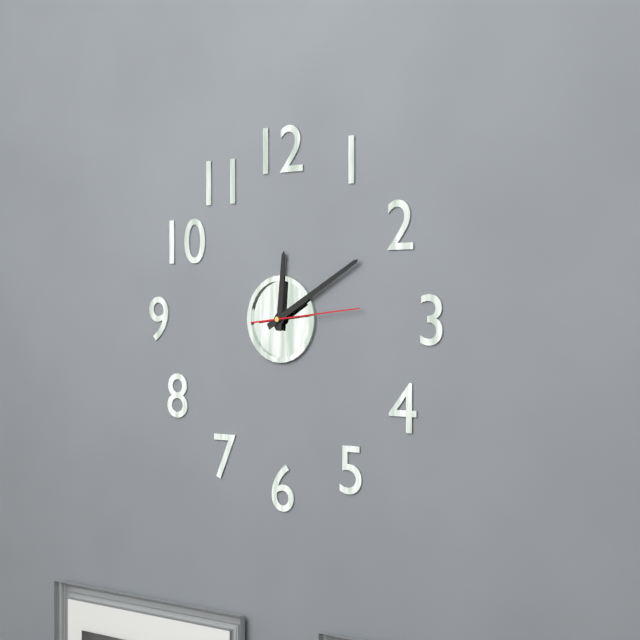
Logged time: 12 h 10 min 14 s
